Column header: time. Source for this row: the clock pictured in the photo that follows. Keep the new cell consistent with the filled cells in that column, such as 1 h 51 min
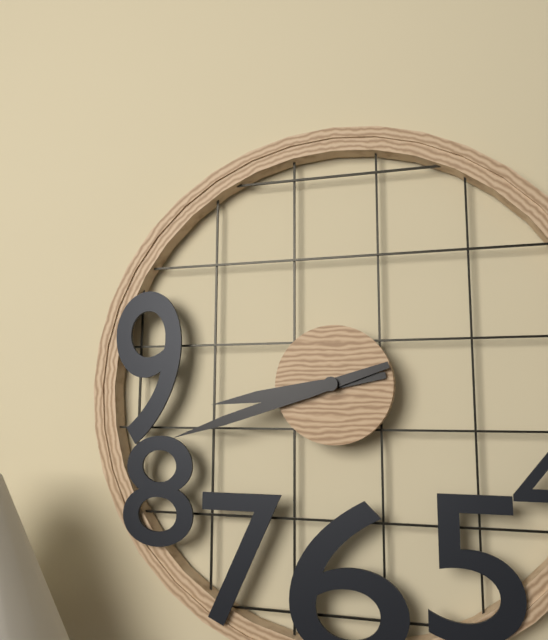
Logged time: 8 h 42 min
